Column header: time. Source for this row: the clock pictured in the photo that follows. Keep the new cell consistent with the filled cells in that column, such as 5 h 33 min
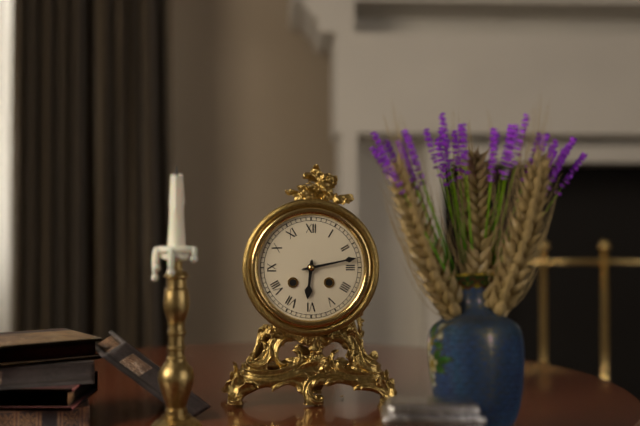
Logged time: 6 h 13 min
